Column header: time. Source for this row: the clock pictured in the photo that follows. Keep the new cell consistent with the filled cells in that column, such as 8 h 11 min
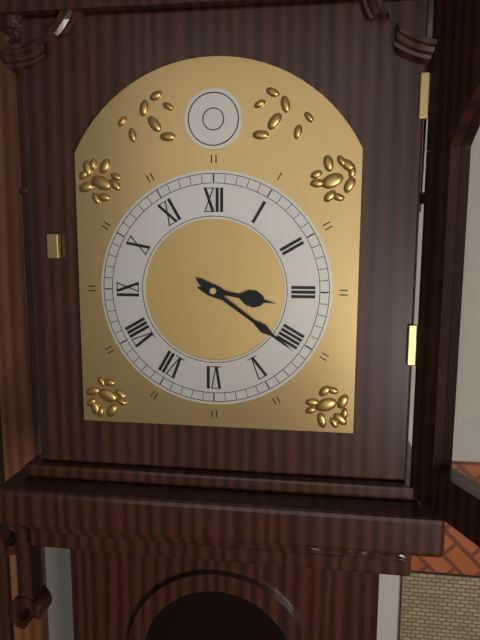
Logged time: 3 h 21 min
